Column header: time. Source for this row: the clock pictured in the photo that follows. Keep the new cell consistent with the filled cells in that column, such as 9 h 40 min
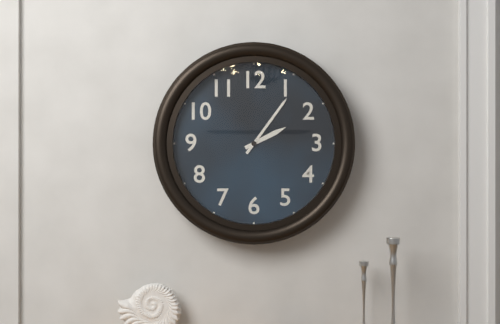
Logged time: 2 h 06 min
